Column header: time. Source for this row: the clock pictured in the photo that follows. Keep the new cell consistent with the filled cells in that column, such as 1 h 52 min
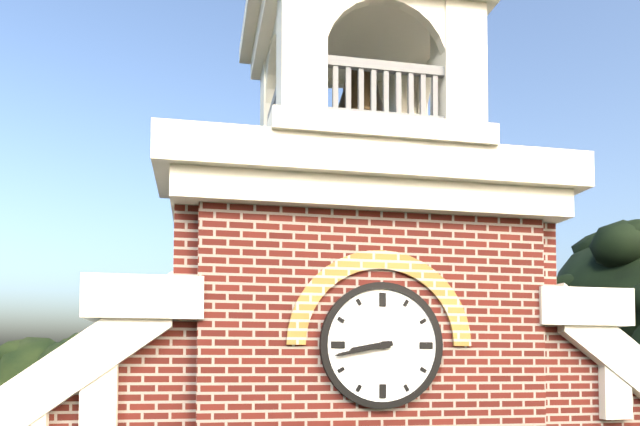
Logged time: 8 h 43 min
